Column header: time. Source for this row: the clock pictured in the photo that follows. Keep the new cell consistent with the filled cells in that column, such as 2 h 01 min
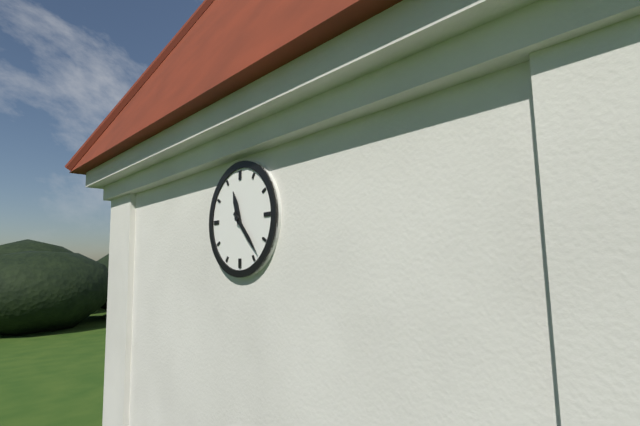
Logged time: 11 h 23 min
